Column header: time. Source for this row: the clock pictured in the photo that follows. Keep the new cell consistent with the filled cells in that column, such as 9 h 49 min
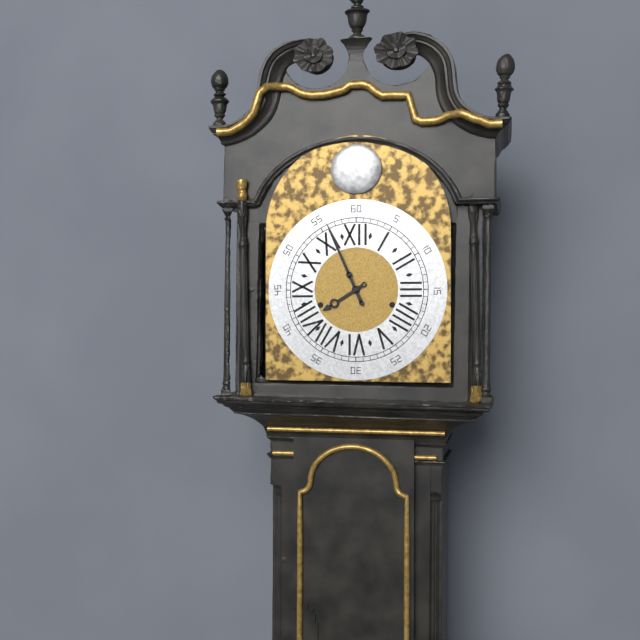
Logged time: 7 h 56 min
